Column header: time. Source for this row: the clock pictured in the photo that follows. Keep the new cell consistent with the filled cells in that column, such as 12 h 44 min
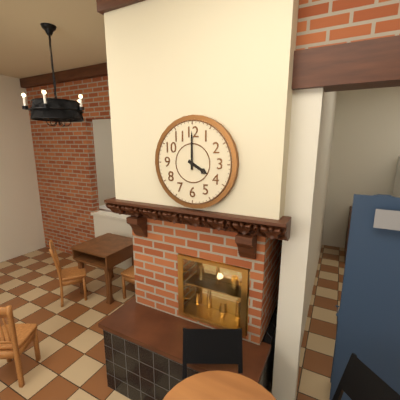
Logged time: 4 h 00 min
